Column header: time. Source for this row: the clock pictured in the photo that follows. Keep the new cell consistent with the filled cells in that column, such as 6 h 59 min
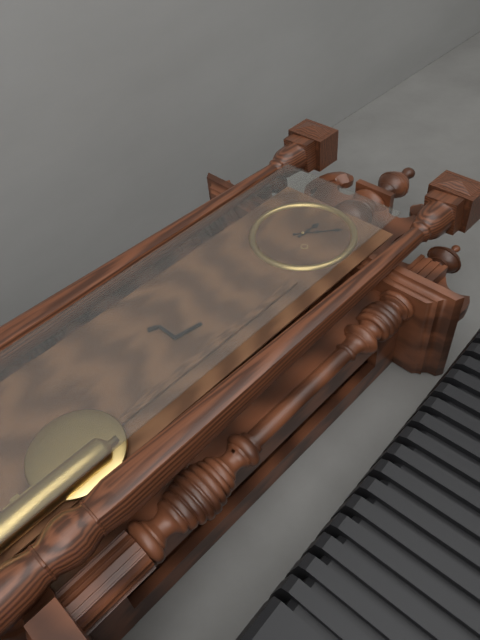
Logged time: 12 h 07 min
